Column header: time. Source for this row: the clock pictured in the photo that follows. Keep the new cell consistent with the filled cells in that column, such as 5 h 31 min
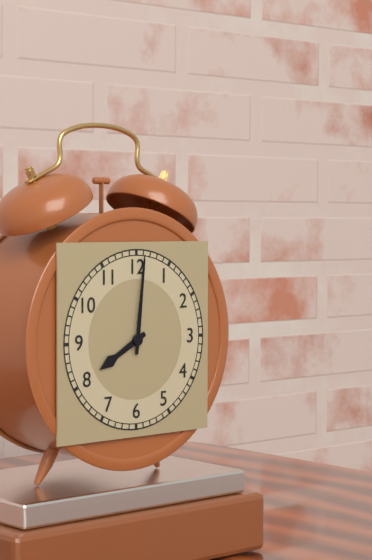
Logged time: 8 h 01 min
